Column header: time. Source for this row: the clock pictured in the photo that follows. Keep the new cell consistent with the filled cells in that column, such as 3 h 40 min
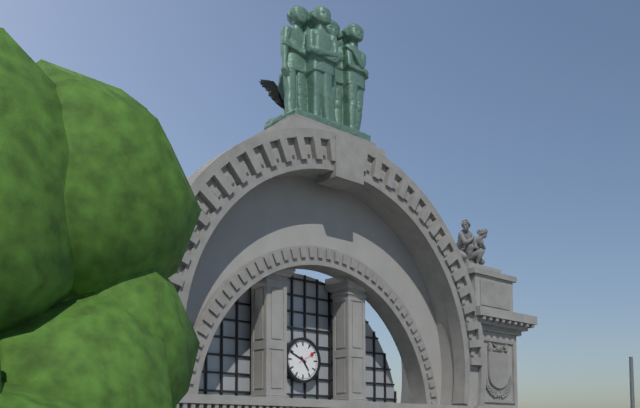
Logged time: 4 h 49 min
